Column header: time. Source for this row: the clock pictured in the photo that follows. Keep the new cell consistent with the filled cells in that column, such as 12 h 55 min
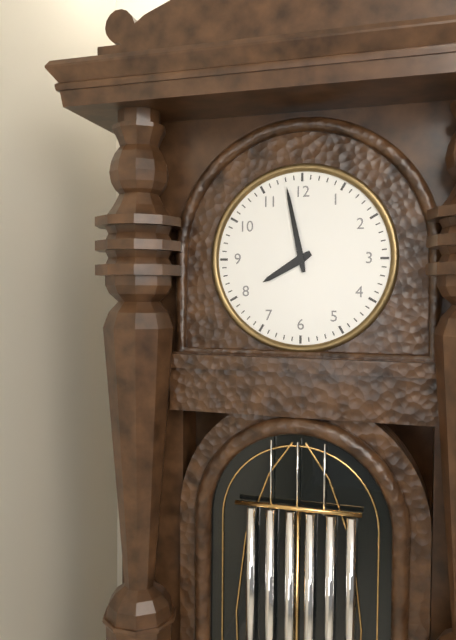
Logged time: 7 h 58 min
